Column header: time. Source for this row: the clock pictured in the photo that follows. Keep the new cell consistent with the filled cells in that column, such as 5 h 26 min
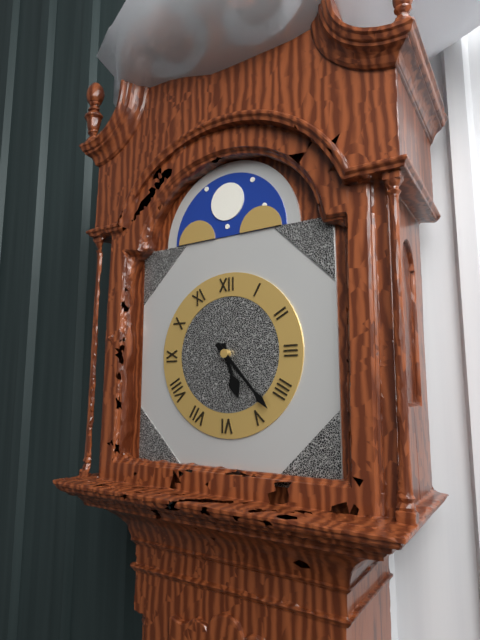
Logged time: 5 h 23 min
